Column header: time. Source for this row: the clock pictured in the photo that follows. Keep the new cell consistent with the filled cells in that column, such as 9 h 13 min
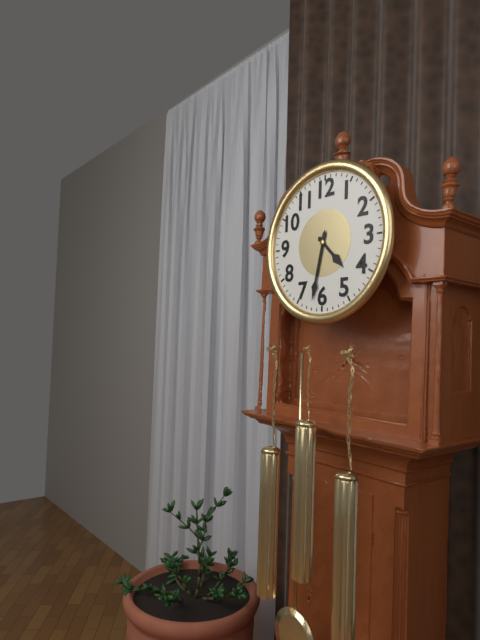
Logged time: 4 h 32 min
